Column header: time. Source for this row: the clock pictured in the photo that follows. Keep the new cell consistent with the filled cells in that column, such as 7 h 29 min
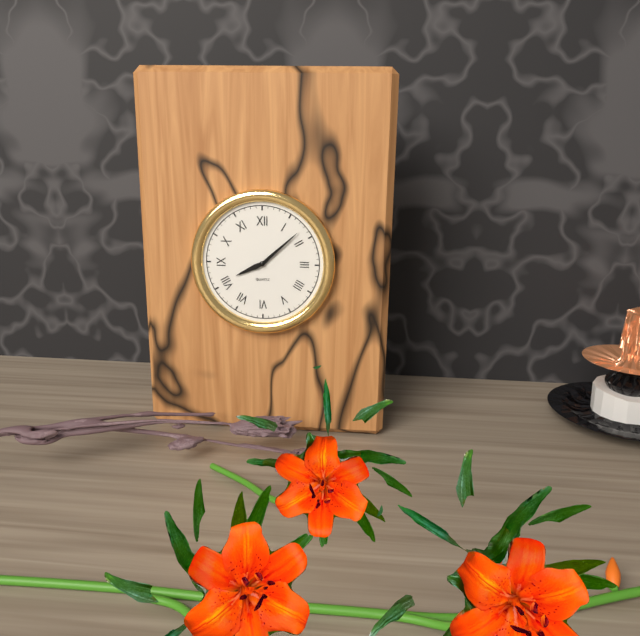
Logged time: 8 h 08 min
